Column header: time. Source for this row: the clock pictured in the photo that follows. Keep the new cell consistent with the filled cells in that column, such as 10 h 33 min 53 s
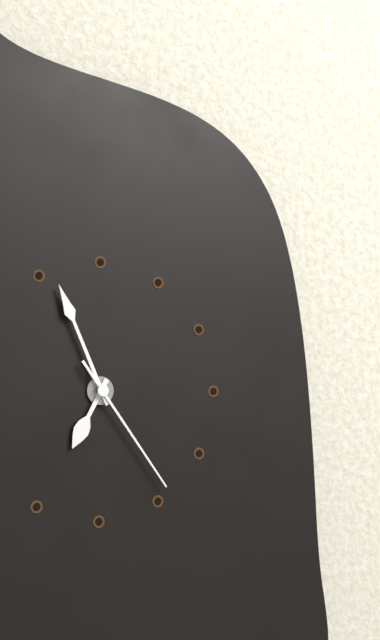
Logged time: 6 h 56 min 24 s
